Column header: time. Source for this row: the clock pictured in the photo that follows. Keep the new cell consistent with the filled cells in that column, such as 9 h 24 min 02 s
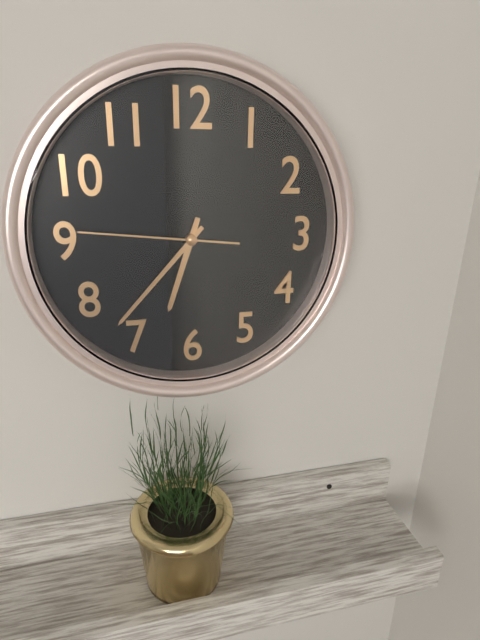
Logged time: 6 h 37 min 46 s
